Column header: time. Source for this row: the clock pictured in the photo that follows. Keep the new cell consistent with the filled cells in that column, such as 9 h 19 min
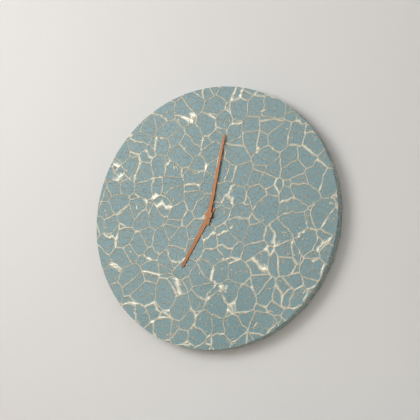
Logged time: 7 h 02 min
